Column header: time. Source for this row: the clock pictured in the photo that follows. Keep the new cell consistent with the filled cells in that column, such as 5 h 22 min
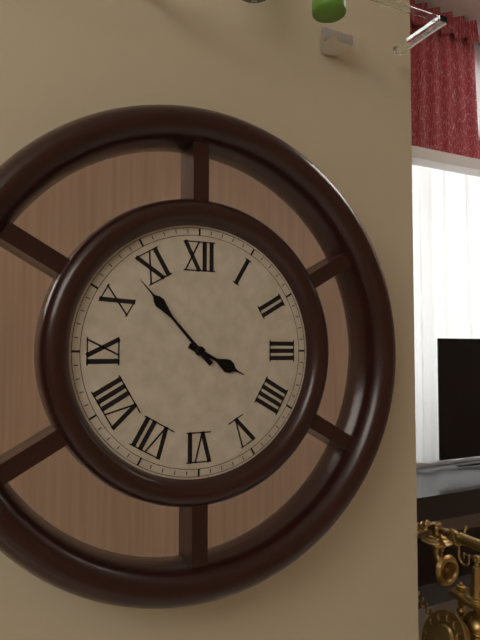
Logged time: 3 h 53 min
